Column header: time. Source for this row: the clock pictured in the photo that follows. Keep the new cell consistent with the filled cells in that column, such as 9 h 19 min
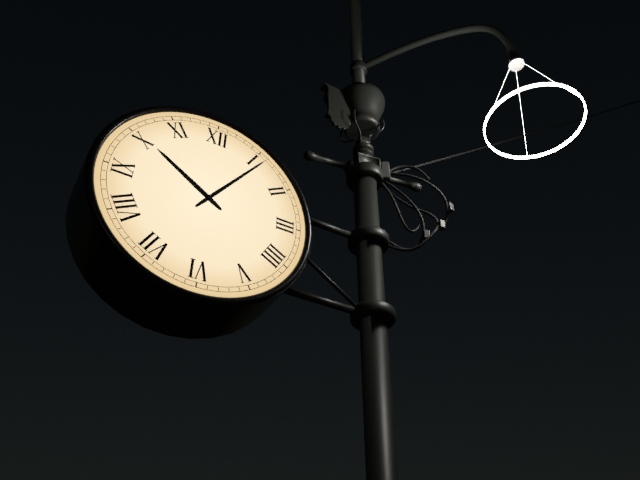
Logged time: 10 h 06 min
